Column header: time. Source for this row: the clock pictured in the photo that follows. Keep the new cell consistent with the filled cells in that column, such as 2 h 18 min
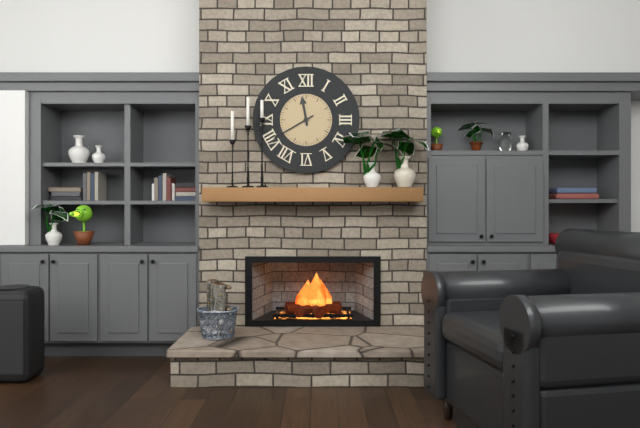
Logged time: 11 h 40 min
